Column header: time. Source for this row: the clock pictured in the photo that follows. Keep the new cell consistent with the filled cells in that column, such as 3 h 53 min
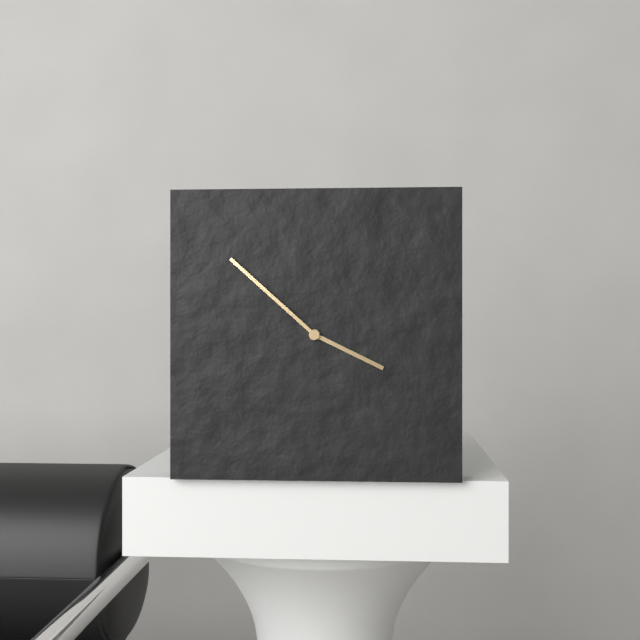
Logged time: 3 h 52 min
